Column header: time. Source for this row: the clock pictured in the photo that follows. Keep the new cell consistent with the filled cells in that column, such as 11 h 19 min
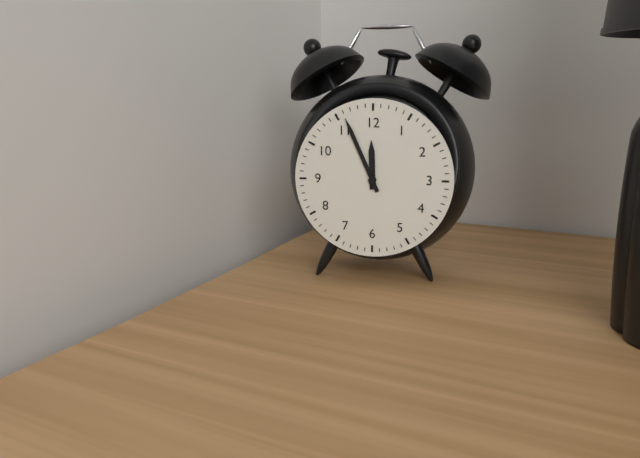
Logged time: 11 h 56 min
